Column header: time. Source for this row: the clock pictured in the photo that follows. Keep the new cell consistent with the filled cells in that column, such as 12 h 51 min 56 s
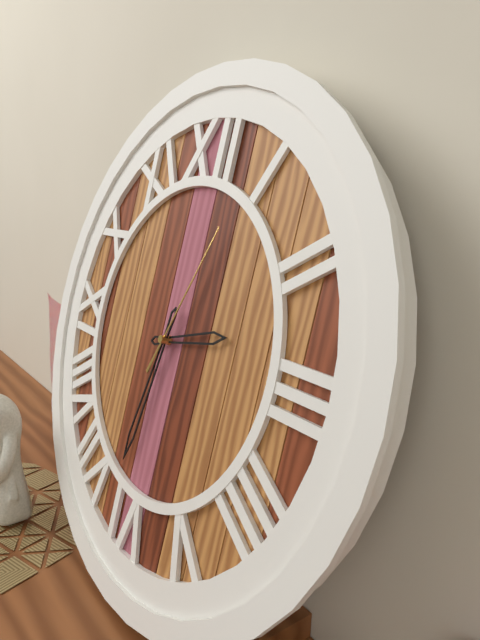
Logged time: 2 h 32 min 04 s
